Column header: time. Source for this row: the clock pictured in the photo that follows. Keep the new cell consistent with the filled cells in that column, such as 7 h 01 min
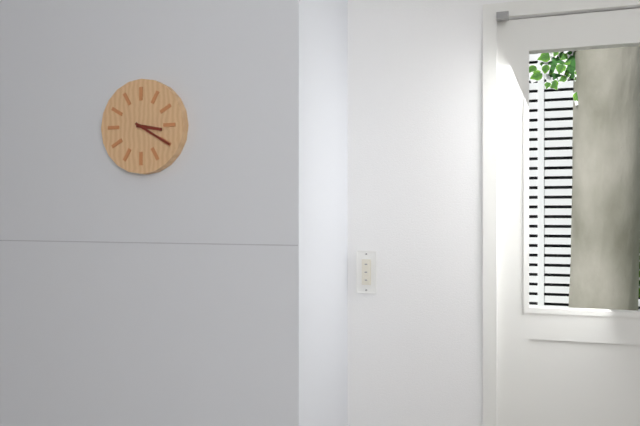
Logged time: 3 h 20 min
